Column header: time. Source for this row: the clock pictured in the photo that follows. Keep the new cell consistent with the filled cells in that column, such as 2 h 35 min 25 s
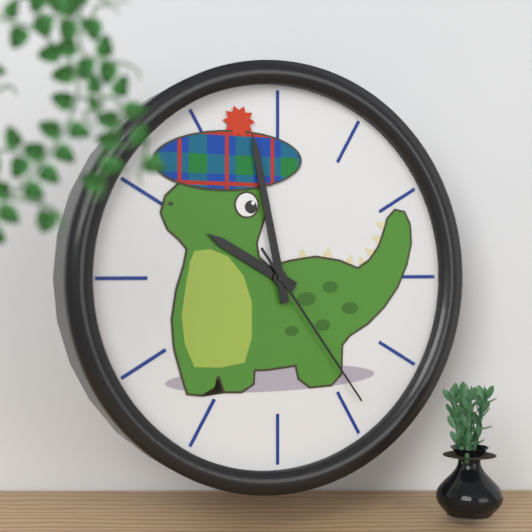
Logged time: 9 h 58 min 24 s
